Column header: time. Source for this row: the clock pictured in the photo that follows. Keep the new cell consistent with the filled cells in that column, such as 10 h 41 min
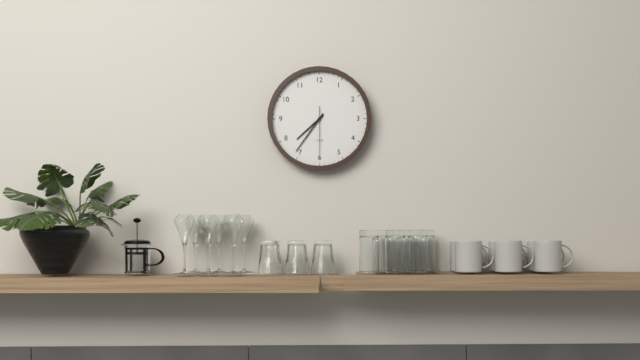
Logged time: 7 h 36 min
